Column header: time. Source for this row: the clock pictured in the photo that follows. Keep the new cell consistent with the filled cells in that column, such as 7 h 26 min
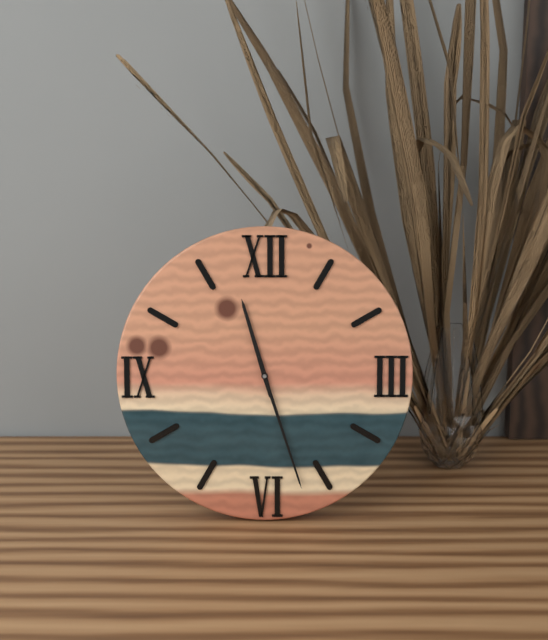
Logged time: 11 h 27 min
